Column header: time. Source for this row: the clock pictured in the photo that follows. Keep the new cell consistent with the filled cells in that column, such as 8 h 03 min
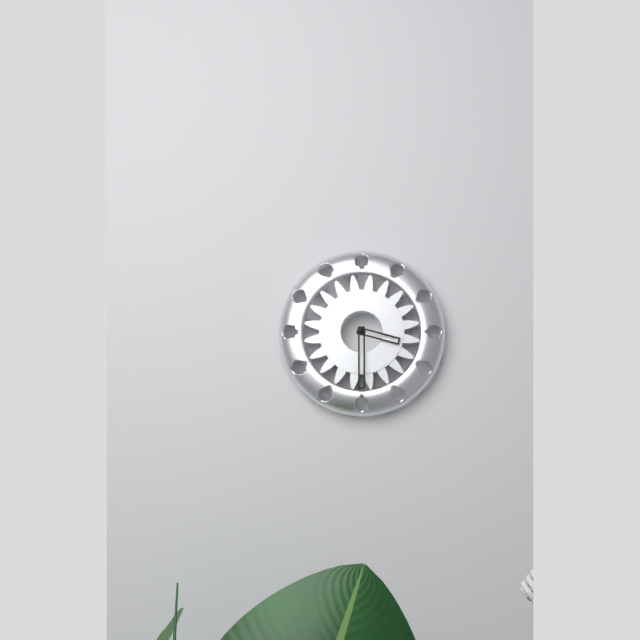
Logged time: 3 h 30 min
